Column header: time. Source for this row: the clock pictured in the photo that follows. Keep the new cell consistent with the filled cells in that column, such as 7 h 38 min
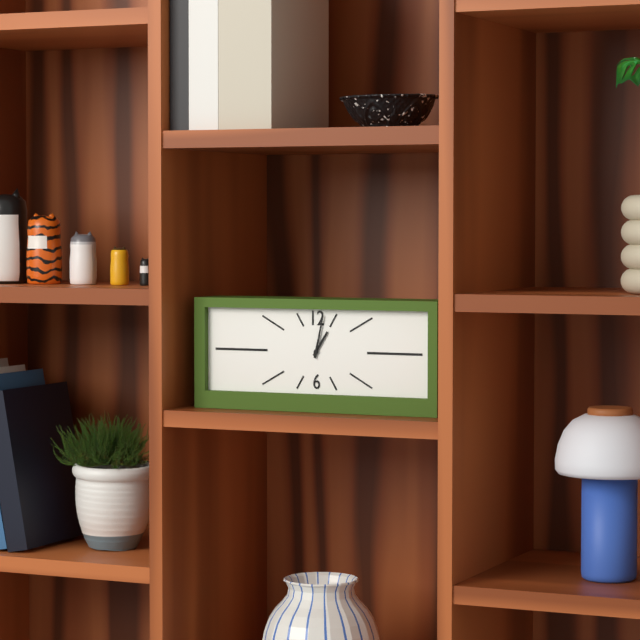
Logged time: 1 h 02 min
